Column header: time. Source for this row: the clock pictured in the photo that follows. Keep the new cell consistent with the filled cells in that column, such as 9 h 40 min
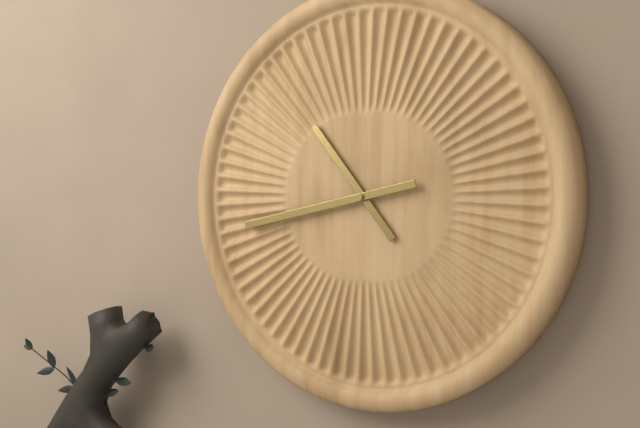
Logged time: 10 h 43 min
